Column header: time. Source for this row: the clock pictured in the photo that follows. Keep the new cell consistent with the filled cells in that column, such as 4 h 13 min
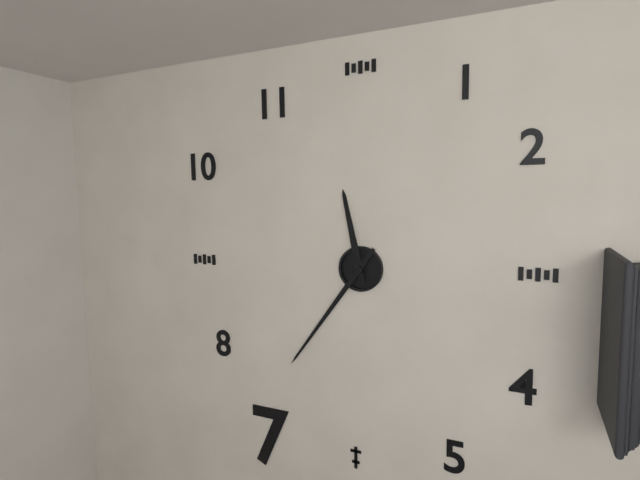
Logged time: 11 h 36 min
